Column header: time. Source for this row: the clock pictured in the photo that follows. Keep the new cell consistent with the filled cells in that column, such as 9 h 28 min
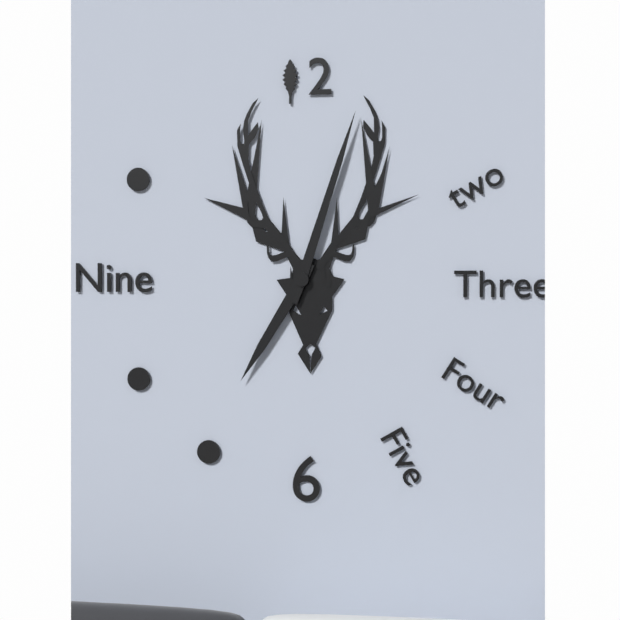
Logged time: 7 h 03 min
